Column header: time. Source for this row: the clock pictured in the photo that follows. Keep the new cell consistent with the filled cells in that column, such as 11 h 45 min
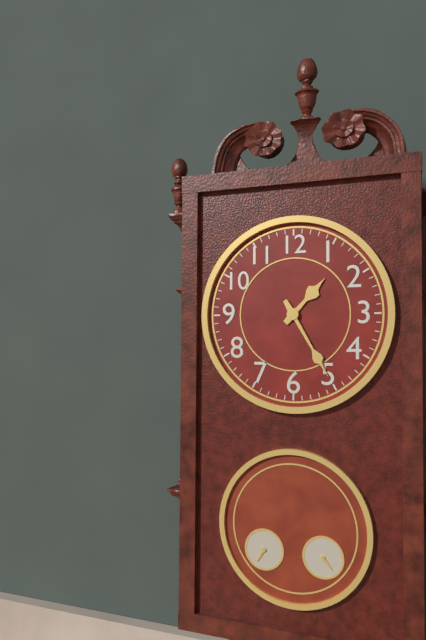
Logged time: 1 h 25 min
